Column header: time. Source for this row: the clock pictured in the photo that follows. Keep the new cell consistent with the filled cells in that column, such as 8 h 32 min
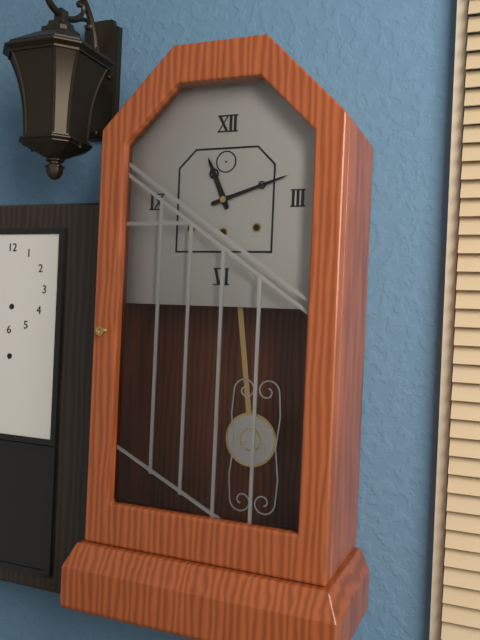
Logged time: 11 h 12 min
